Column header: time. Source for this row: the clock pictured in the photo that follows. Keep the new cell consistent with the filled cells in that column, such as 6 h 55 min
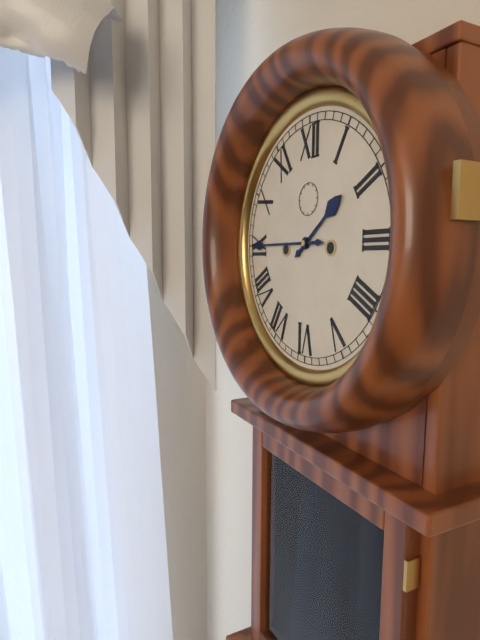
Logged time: 1 h 45 min
